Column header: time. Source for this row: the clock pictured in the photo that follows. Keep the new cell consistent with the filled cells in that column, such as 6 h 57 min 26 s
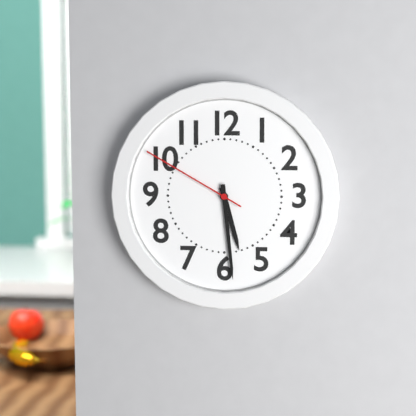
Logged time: 5 h 29 min 50 s
